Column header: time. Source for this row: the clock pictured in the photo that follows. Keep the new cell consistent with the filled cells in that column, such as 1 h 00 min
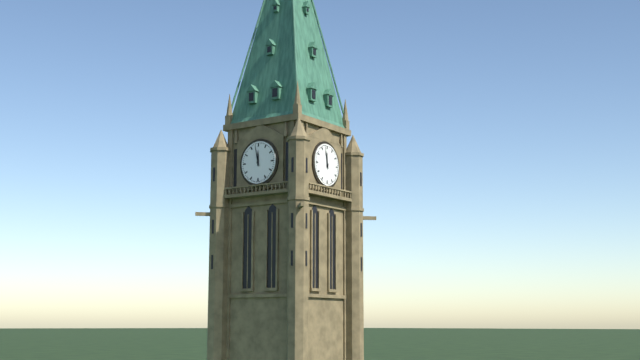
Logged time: 11 h 58 min
